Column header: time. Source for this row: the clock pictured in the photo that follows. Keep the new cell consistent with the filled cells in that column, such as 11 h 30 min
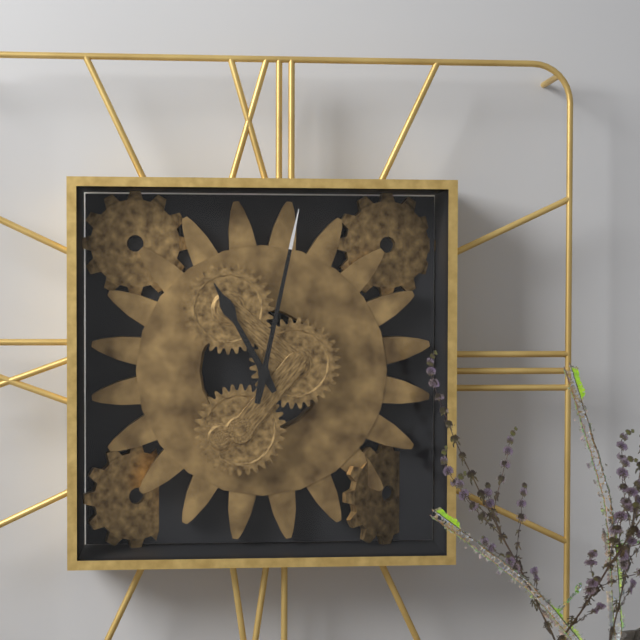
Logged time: 11 h 02 min
